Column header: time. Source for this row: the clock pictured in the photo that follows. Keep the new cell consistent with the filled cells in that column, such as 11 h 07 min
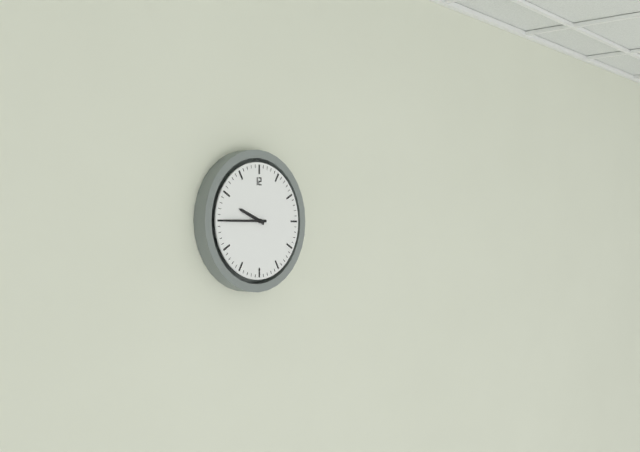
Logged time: 9 h 45 min
